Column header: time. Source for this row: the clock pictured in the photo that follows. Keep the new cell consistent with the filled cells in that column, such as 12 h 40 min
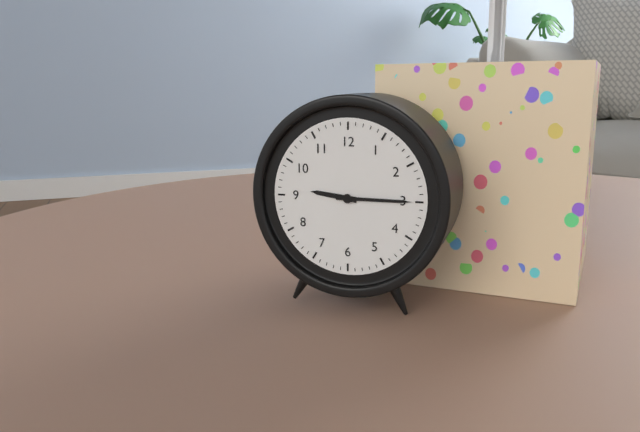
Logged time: 9 h 15 min
